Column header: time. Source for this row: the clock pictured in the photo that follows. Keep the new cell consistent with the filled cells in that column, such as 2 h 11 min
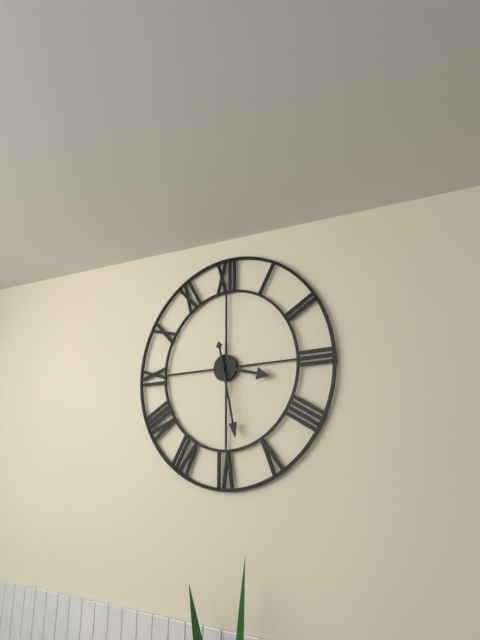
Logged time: 3 h 28 min
